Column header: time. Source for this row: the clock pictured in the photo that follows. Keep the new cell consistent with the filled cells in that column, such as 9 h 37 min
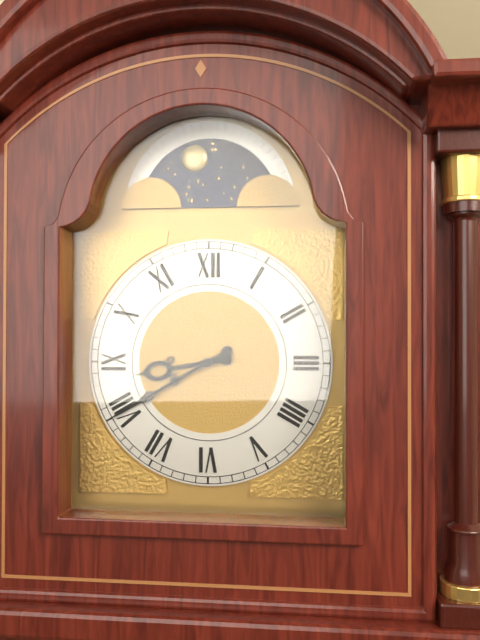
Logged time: 8 h 40 min
